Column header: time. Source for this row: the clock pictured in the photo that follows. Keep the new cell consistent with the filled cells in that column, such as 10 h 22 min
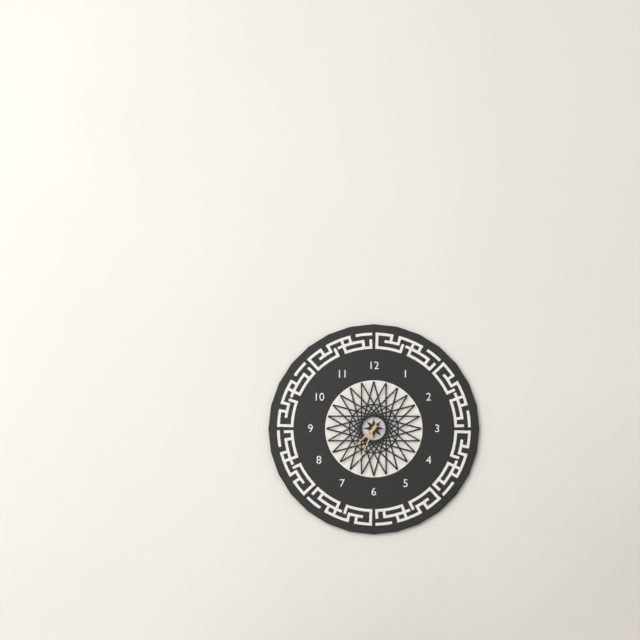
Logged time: 7 h 34 min
